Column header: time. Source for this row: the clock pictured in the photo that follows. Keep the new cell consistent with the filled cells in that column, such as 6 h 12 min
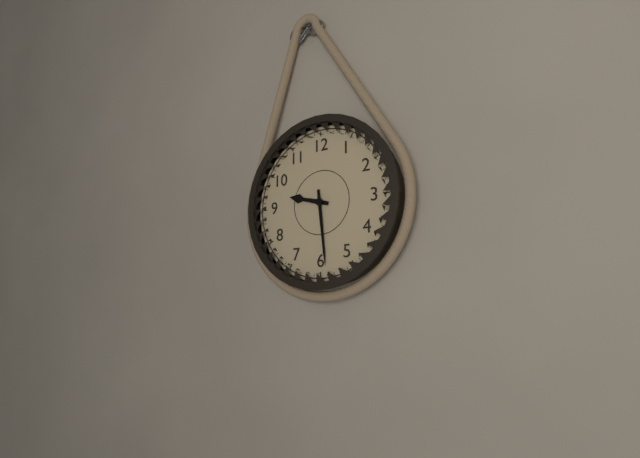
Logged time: 9 h 29 min
